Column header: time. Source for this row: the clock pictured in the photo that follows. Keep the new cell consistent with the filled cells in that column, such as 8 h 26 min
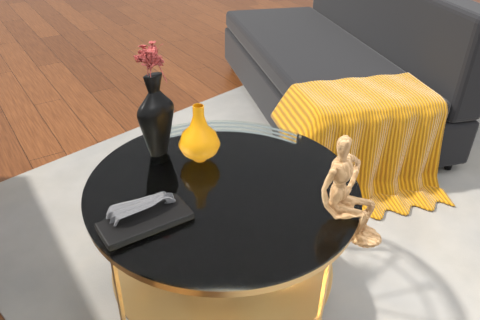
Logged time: 2 h 59 min
